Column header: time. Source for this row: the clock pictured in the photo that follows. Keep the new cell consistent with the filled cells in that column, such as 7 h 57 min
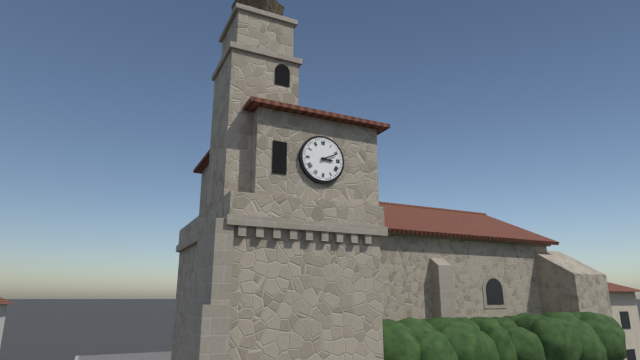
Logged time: 3 h 11 min
